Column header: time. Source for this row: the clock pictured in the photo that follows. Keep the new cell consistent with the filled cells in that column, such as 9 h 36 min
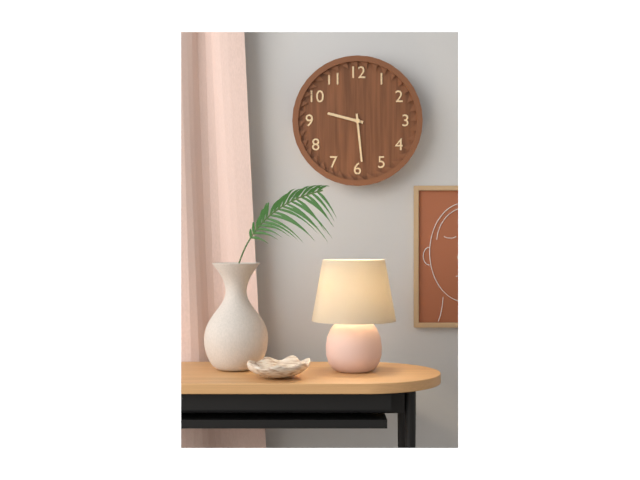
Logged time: 9 h 29 min
